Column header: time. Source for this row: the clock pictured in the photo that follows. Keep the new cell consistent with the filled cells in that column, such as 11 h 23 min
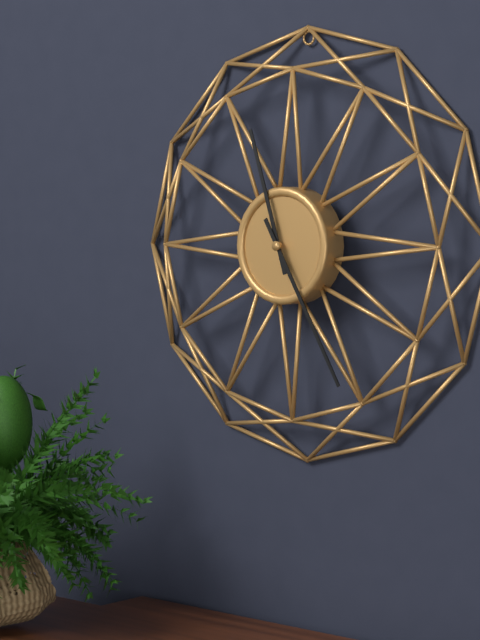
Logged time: 11 h 25 min
